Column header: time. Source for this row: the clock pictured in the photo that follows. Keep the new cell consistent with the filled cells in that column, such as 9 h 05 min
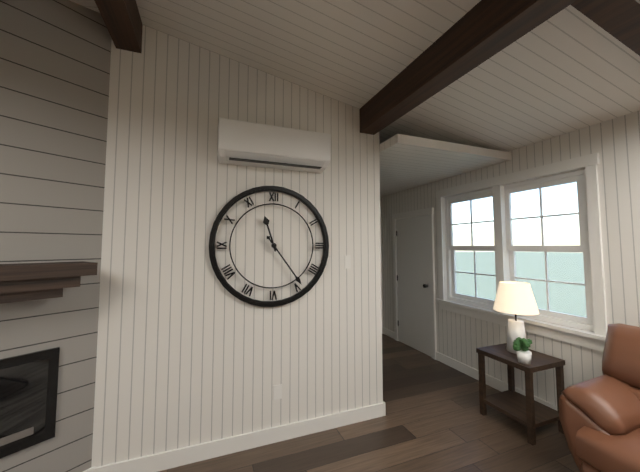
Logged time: 11 h 24 min
